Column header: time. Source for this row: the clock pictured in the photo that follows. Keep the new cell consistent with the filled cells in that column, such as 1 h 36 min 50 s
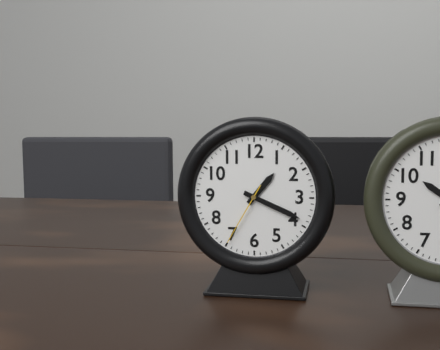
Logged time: 1 h 19 min 35 s
